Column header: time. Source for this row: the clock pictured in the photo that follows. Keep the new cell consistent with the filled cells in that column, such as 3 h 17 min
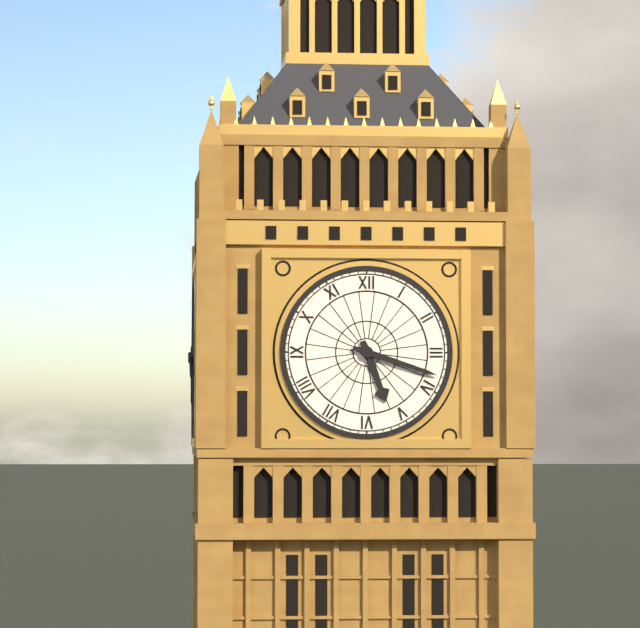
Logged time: 5 h 18 min
